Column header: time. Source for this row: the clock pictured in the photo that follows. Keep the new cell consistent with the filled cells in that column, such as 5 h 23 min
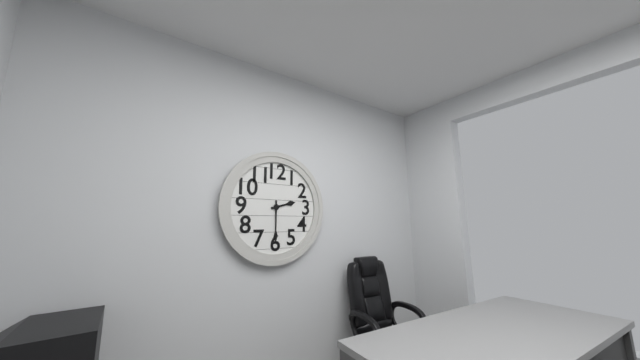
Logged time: 2 h 30 min
